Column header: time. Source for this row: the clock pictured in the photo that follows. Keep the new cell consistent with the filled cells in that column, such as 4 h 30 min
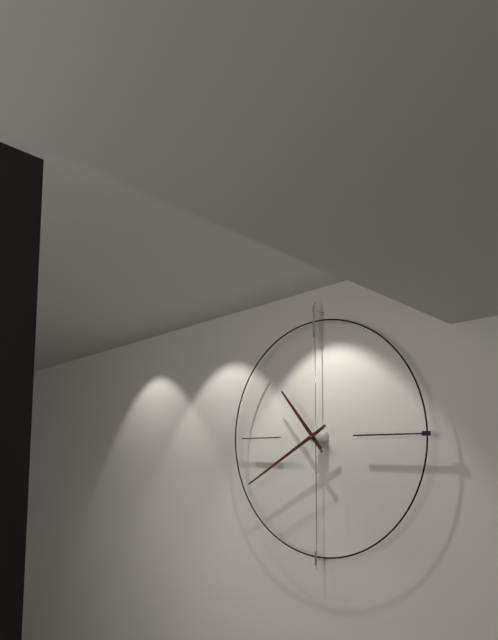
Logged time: 10 h 40 min
